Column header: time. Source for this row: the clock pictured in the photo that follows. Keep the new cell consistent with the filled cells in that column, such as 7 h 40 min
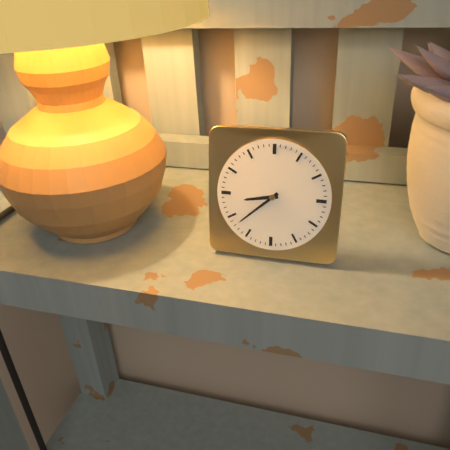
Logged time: 8 h 38 min
